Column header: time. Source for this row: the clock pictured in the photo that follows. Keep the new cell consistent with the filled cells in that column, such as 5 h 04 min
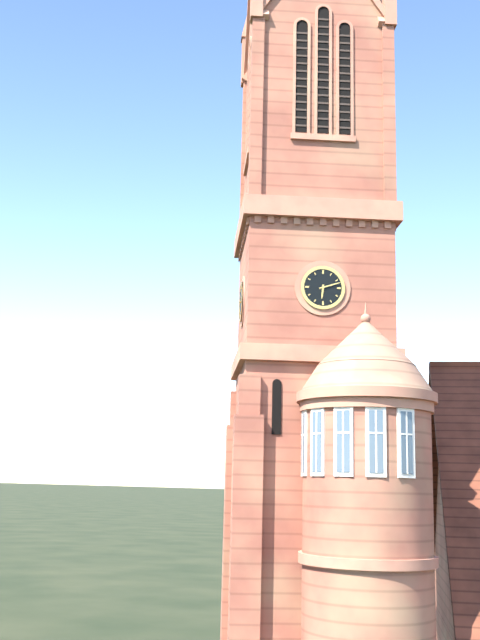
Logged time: 6 h 12 min
